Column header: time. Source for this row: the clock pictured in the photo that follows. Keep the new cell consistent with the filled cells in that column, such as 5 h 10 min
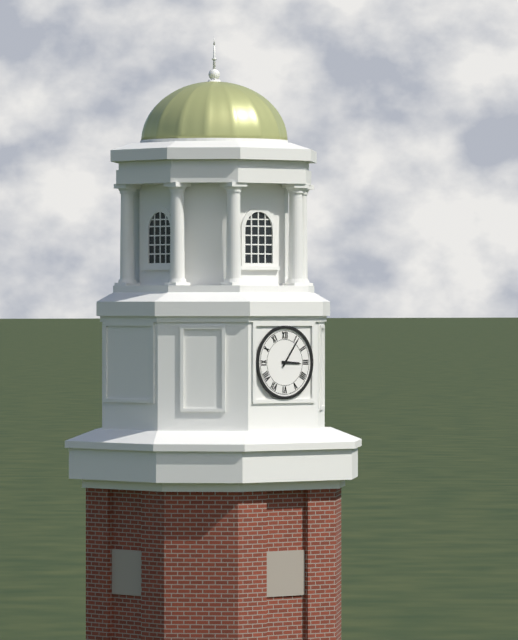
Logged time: 3 h 06 min
